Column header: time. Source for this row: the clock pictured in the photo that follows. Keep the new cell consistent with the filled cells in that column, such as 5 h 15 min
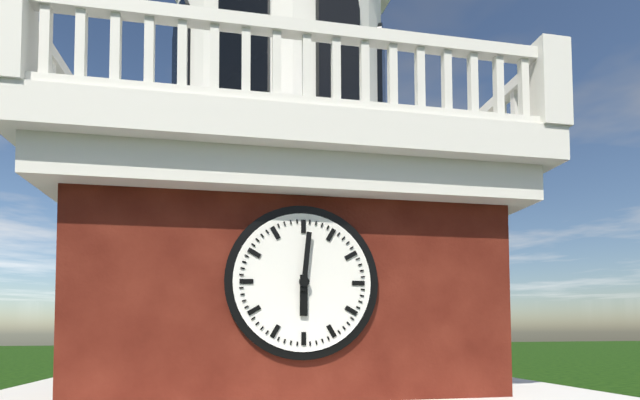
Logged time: 6 h 01 min
